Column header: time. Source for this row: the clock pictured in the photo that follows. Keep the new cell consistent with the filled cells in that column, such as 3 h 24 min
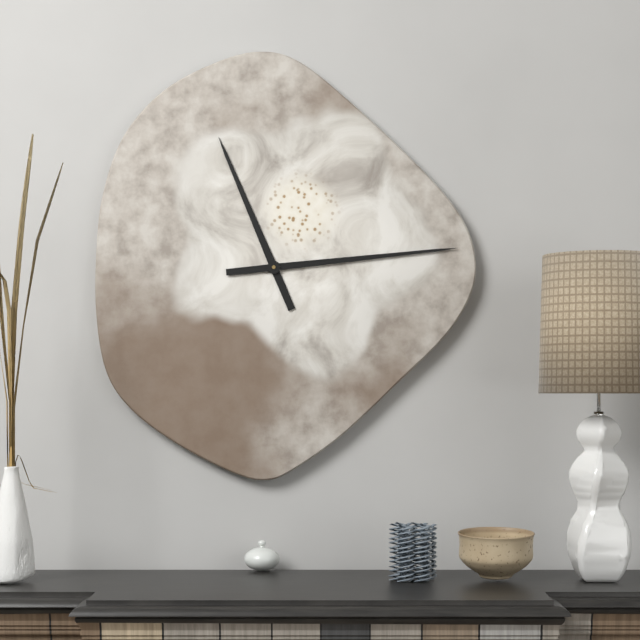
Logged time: 11 h 14 min
